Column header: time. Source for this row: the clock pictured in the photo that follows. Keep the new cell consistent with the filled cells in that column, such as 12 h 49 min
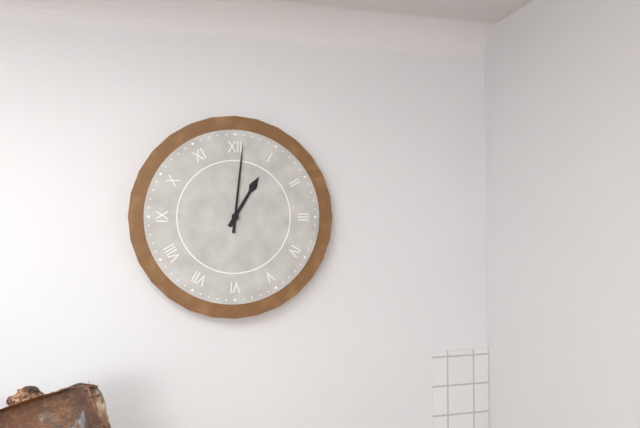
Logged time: 1 h 01 min
